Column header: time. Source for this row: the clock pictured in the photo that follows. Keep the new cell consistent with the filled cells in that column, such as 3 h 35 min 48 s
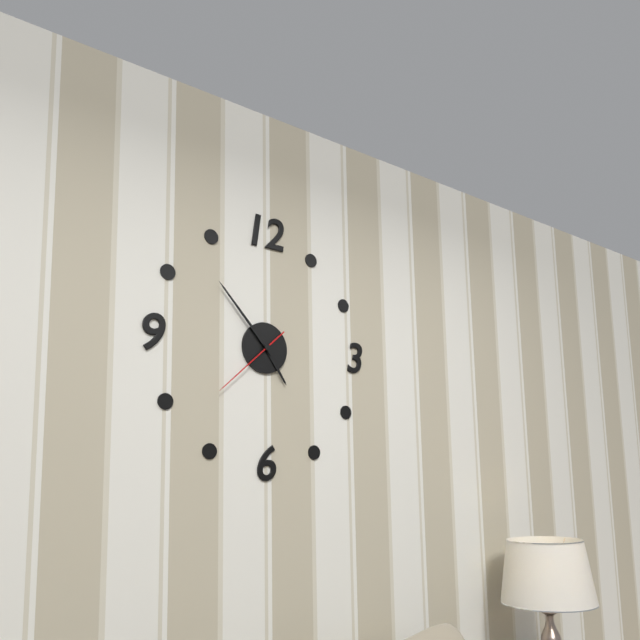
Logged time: 4 h 53 min 38 s
